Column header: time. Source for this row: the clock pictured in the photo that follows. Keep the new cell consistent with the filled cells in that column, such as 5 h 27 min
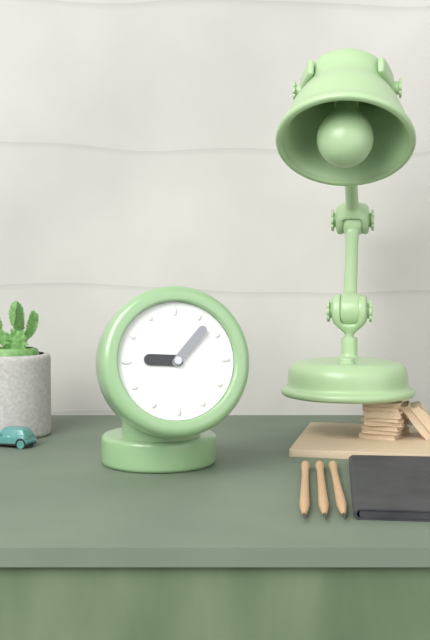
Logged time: 9 h 07 min
